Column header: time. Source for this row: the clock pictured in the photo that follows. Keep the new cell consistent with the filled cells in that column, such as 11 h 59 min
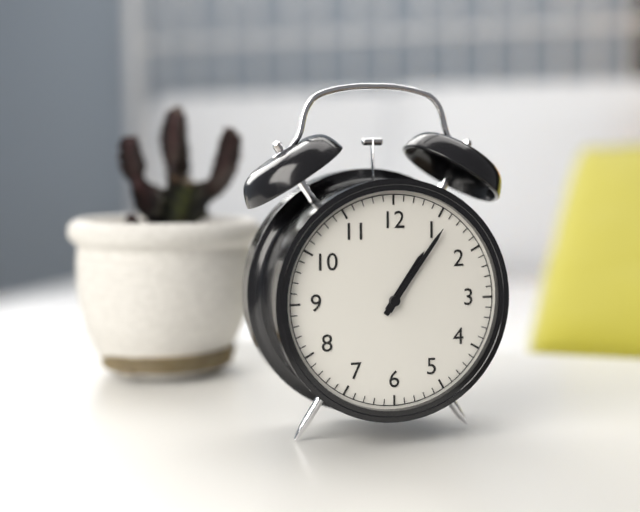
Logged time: 1 h 06 min
